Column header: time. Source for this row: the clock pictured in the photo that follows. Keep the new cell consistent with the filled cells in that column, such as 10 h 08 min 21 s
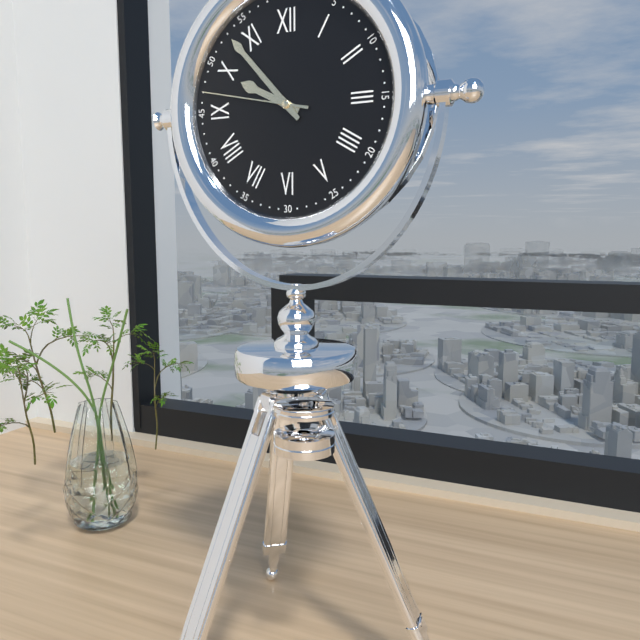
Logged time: 9 h 53 min 47 s
